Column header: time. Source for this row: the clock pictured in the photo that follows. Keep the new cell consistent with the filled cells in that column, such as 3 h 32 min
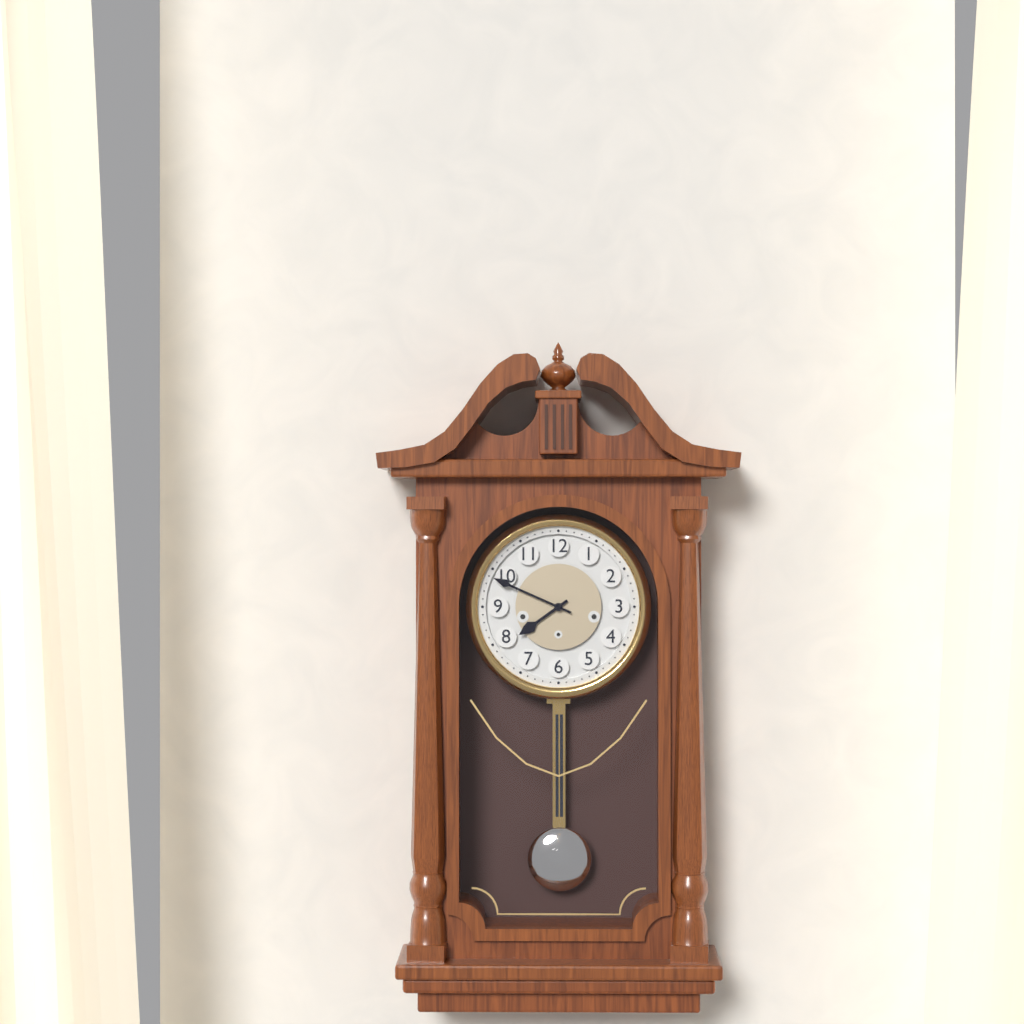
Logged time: 7 h 49 min
